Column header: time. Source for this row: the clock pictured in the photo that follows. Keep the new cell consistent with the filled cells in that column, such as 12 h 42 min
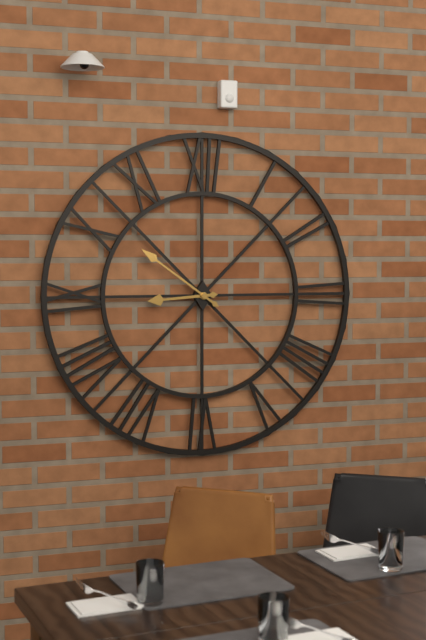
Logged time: 8 h 51 min
